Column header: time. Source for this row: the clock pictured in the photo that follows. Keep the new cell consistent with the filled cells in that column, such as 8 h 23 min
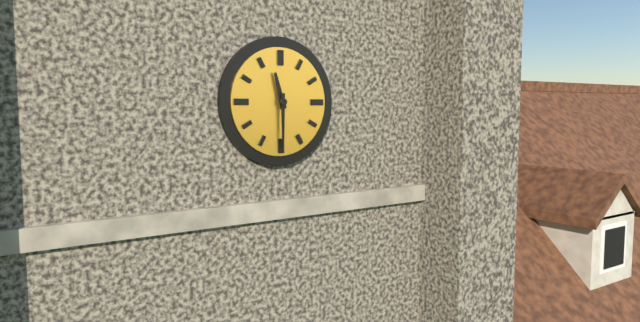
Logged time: 11 h 30 min
